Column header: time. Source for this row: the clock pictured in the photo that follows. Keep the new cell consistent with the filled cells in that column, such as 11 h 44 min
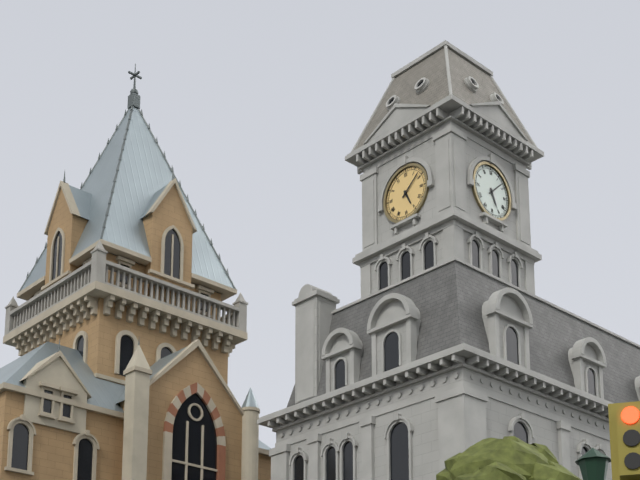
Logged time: 5 h 08 min
